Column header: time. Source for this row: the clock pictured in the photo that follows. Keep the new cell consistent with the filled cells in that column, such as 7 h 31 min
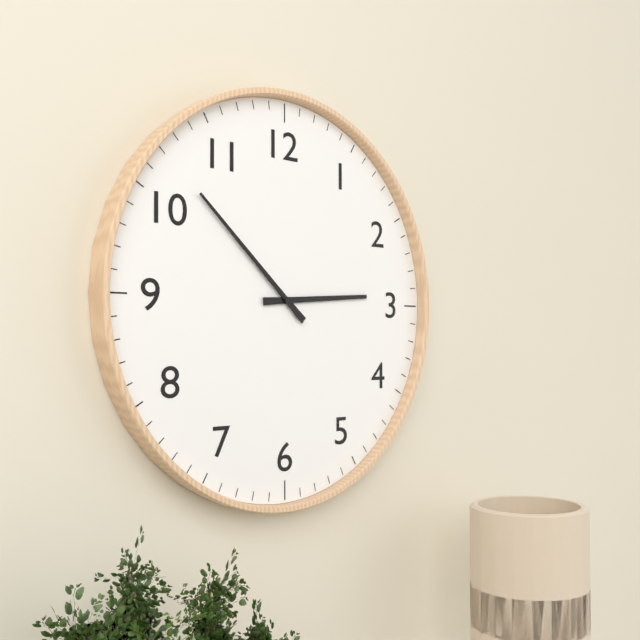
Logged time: 2 h 52 min
